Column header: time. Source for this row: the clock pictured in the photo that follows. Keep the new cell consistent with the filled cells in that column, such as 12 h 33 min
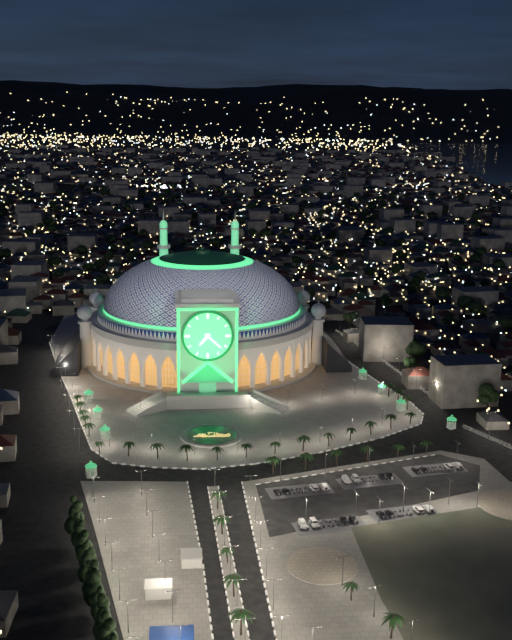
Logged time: 7 h 22 min
